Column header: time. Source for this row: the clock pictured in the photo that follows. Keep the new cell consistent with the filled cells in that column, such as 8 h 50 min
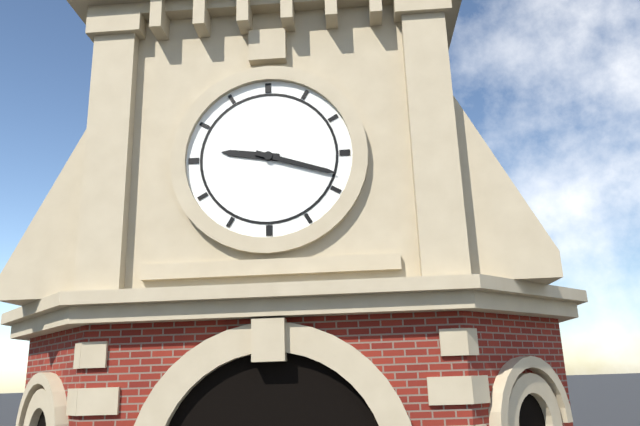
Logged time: 9 h 18 min
